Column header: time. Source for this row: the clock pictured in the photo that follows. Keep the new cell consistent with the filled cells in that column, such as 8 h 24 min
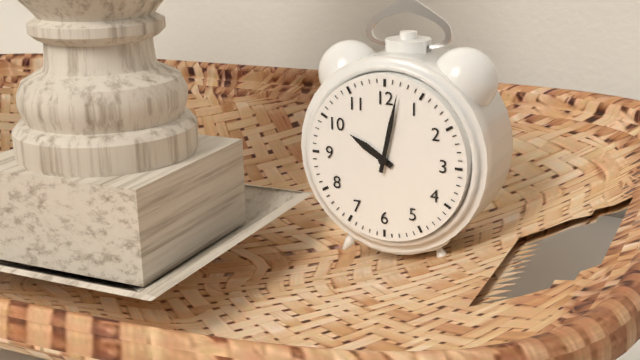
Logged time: 10 h 02 min
